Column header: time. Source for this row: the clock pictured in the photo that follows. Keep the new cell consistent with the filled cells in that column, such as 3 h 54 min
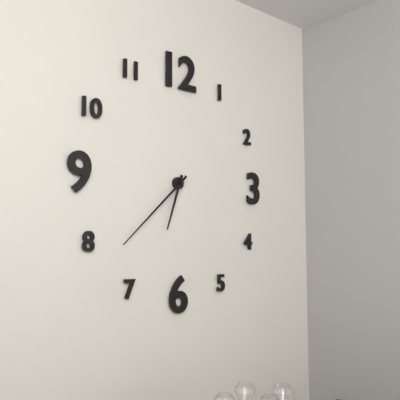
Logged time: 6 h 38 min
